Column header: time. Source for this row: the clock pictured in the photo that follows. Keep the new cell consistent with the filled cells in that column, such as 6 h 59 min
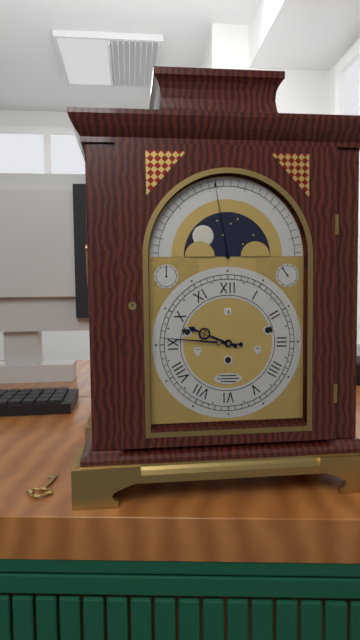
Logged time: 9 h 46 min
